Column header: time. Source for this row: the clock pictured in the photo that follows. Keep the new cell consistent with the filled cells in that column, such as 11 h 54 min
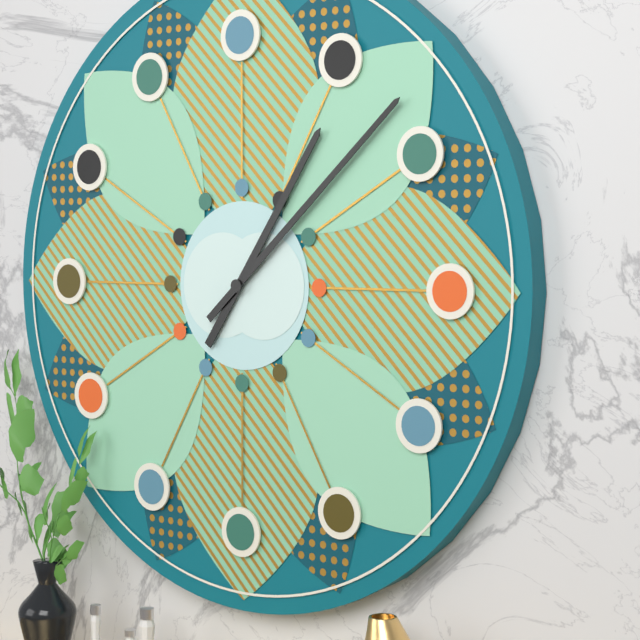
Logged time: 1 h 08 min
